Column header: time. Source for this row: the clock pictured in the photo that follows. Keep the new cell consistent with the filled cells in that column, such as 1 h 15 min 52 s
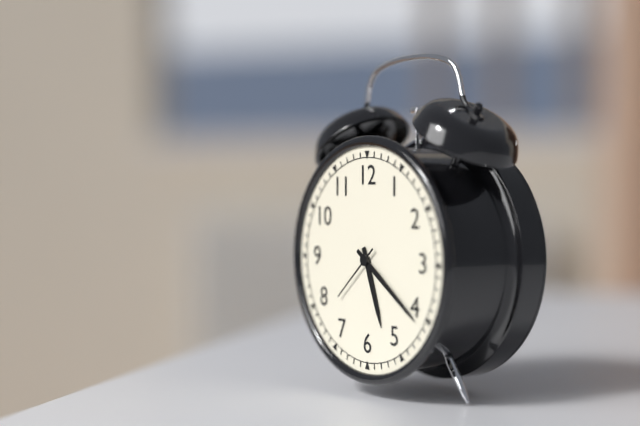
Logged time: 5 h 21 min 38 s
